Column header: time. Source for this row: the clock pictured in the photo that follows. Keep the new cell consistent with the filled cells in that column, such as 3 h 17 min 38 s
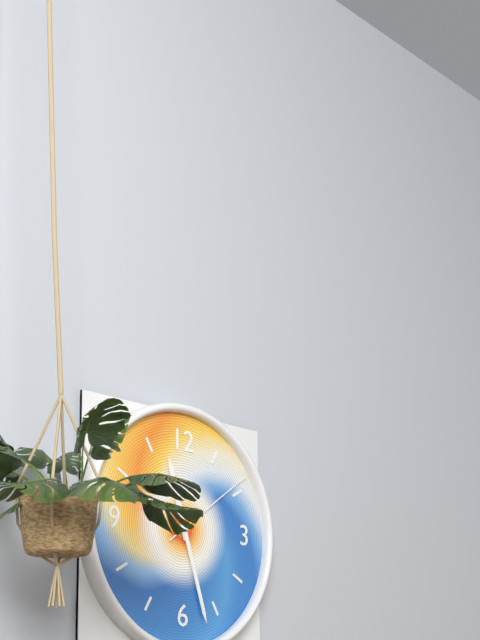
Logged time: 11 h 27 min 09 s
